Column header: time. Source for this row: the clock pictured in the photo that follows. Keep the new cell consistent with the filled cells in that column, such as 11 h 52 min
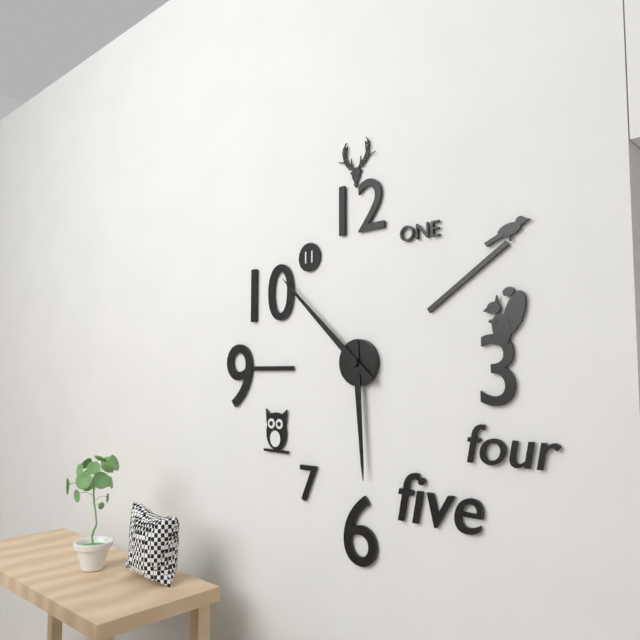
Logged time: 5 h 52 min
